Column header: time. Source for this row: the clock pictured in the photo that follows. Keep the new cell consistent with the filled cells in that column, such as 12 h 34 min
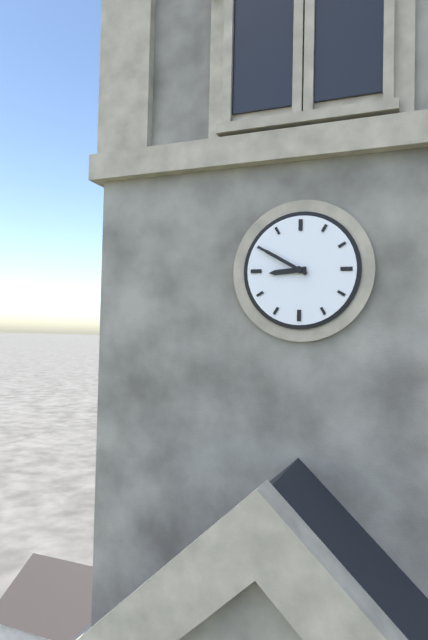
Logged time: 8 h 50 min
